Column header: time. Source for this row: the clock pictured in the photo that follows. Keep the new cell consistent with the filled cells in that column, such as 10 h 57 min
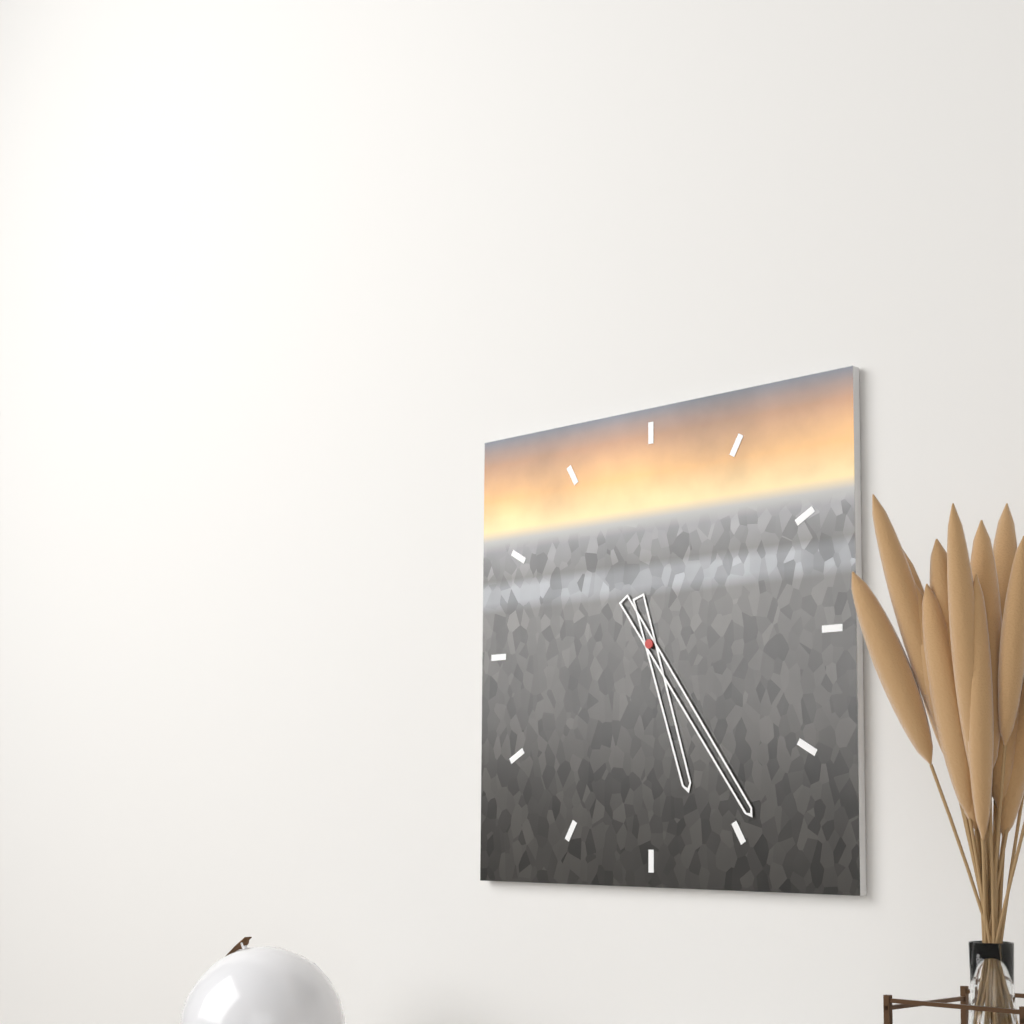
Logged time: 5 h 24 min
